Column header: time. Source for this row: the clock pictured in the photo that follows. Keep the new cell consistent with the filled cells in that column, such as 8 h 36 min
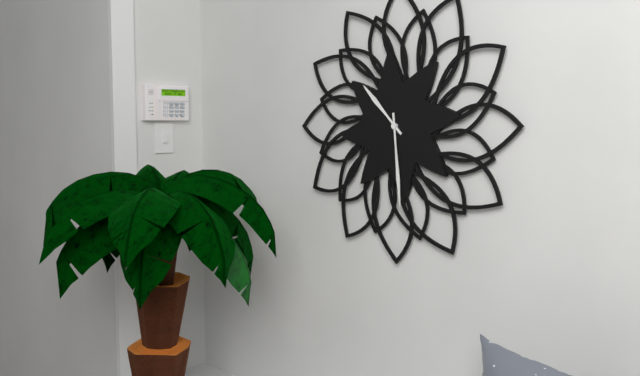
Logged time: 10 h 29 min
